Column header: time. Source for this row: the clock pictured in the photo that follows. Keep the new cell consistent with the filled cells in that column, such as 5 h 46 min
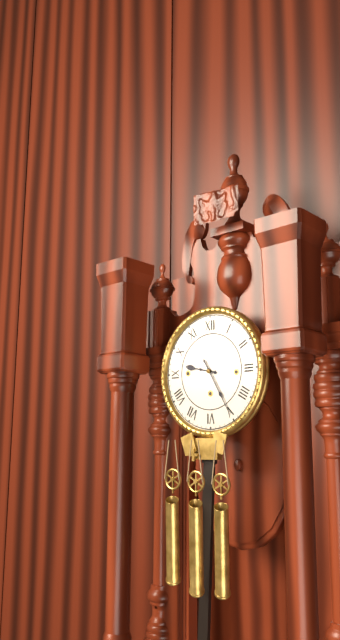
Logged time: 9 h 25 min
